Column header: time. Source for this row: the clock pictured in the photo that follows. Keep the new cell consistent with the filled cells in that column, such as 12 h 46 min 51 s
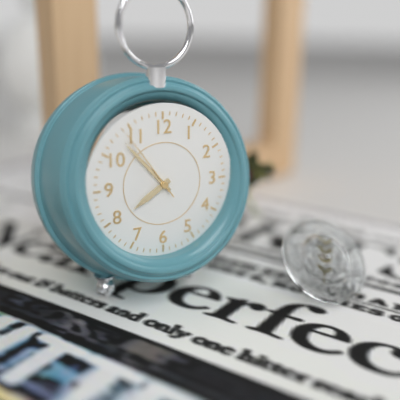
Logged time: 7 h 53 min 54 s
